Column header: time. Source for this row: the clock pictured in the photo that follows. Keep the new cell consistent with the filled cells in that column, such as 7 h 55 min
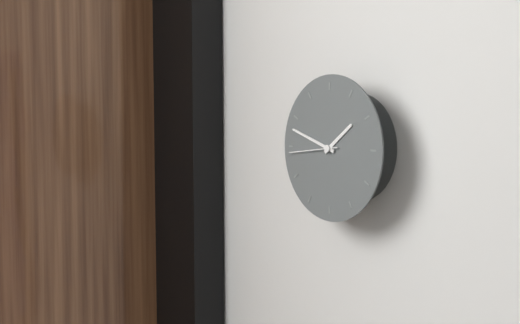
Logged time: 1 h 48 min
